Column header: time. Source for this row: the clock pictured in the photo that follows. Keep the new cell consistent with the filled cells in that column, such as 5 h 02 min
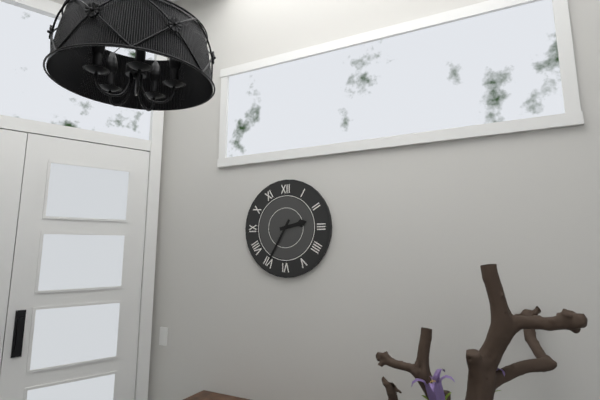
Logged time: 2 h 35 min
